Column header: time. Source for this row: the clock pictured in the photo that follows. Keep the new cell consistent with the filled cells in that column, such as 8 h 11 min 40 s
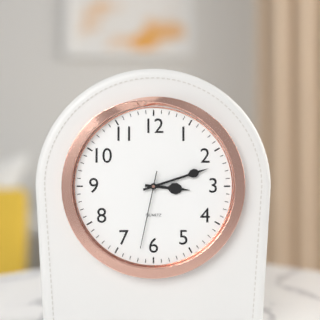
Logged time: 3 h 12 min 32 s
